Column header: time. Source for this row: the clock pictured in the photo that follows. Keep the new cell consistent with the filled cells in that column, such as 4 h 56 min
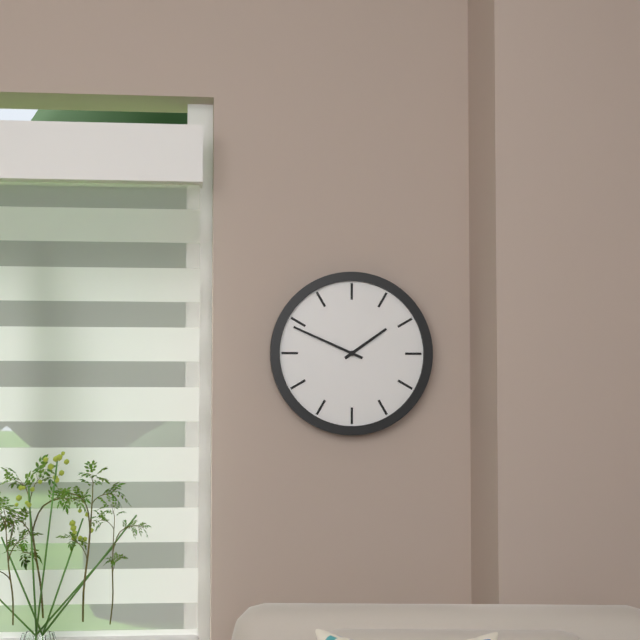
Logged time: 1 h 49 min
